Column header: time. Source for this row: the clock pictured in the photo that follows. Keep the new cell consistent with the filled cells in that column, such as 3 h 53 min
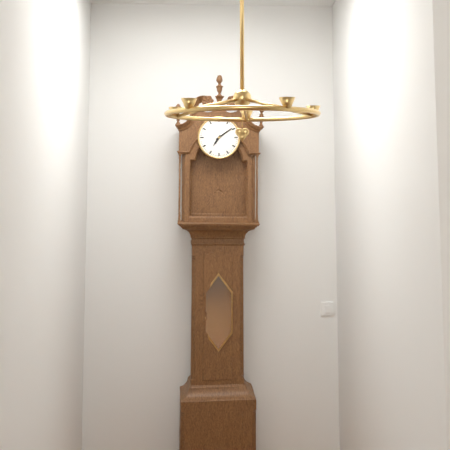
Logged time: 7 h 09 min
